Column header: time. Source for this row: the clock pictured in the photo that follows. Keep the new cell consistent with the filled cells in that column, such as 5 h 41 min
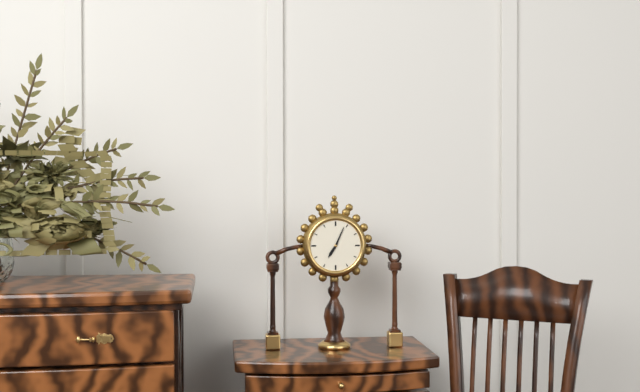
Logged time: 7 h 04 min
